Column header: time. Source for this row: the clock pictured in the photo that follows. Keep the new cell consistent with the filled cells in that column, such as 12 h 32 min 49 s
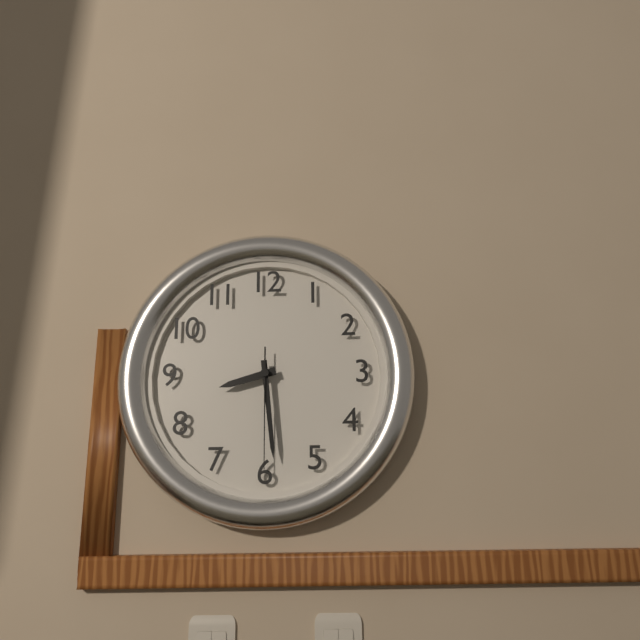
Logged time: 8 h 29 min 30 s
